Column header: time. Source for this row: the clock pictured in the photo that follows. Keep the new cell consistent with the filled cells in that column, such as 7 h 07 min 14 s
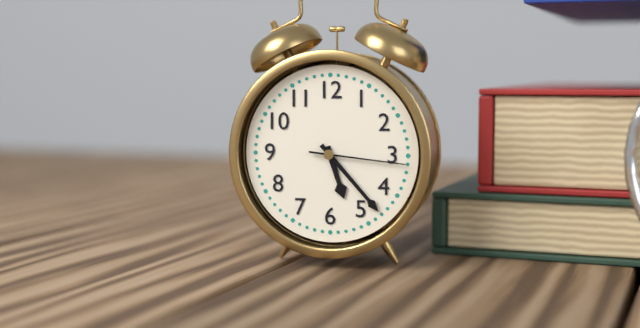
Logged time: 5 h 23 min 16 s
